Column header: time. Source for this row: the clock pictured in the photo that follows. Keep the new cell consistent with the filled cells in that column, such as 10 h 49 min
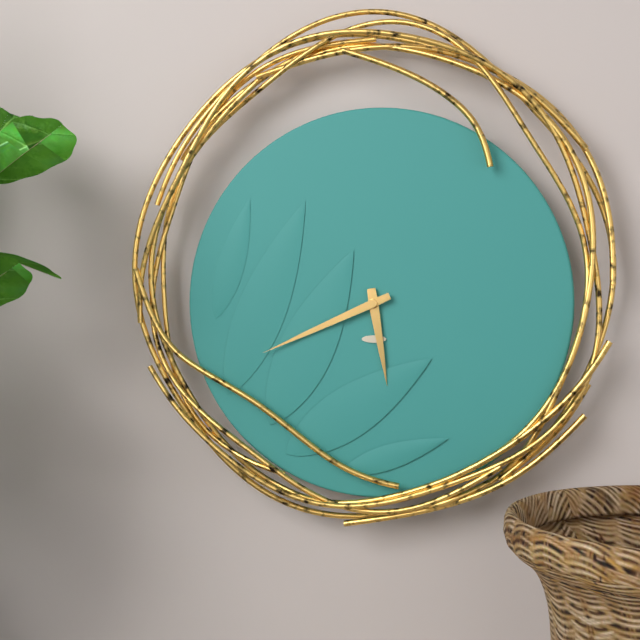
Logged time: 5 h 41 min
